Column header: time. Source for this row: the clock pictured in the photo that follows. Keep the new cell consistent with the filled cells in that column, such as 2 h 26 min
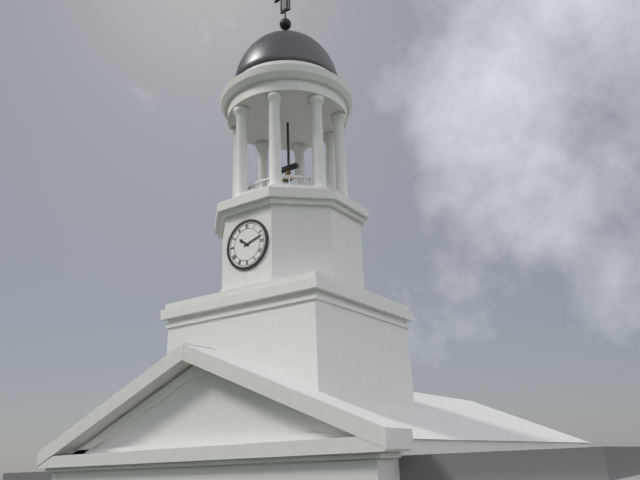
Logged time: 10 h 12 min
